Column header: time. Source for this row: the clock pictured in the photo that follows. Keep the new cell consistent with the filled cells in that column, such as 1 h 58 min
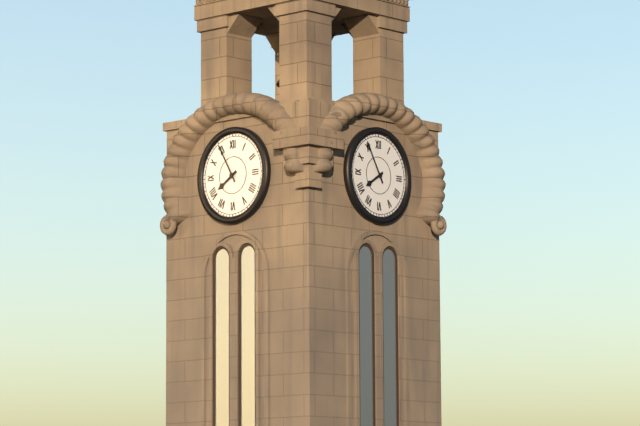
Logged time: 7 h 55 min
